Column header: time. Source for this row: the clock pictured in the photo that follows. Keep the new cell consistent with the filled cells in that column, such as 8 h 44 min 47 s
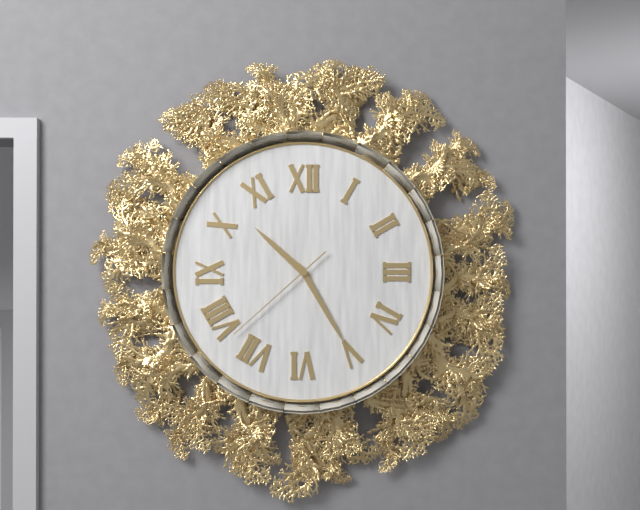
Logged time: 10 h 25 min 38 s
